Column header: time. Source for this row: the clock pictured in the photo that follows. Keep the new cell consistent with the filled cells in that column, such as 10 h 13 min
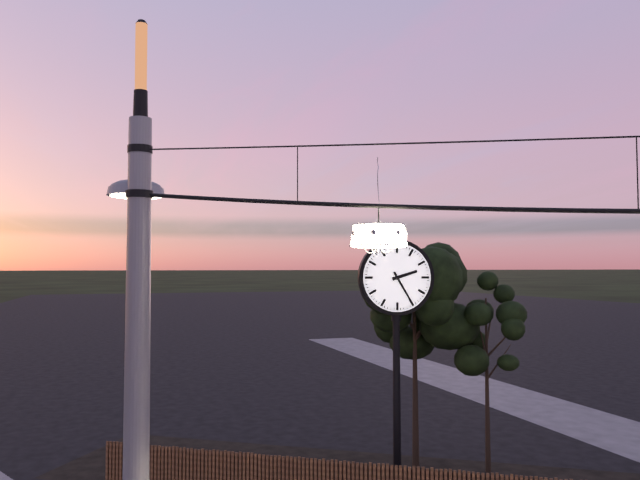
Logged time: 2 h 25 min
